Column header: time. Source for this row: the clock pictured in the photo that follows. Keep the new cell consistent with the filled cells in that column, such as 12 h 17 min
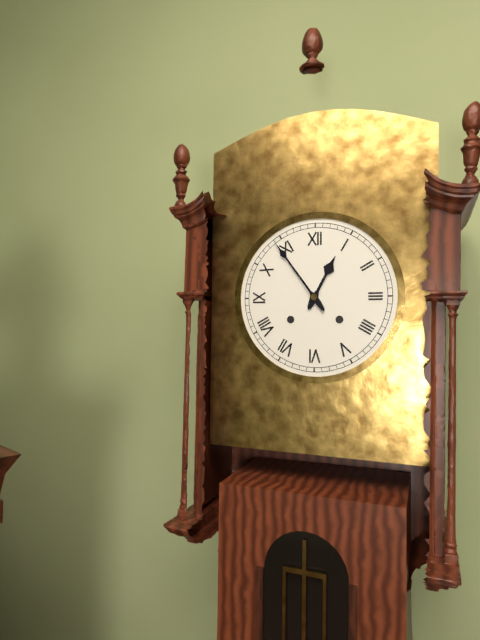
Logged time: 12 h 54 min
